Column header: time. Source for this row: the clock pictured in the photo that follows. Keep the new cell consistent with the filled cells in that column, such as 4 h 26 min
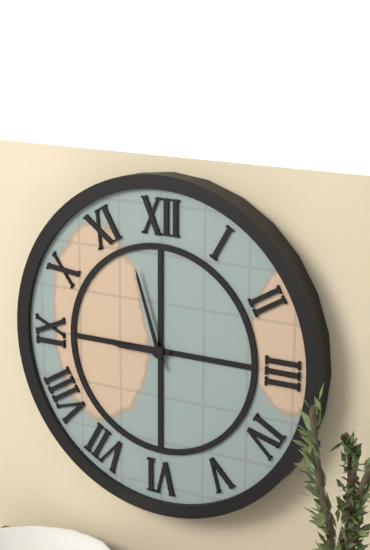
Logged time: 8 h 57 min
